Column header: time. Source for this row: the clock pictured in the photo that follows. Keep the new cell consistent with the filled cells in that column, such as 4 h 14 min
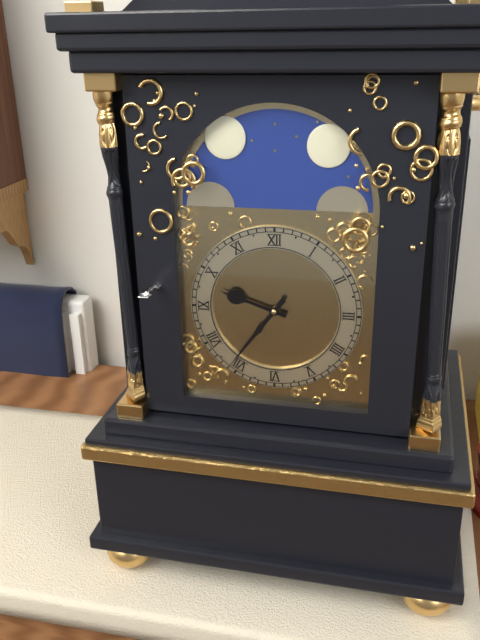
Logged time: 9 h 36 min
